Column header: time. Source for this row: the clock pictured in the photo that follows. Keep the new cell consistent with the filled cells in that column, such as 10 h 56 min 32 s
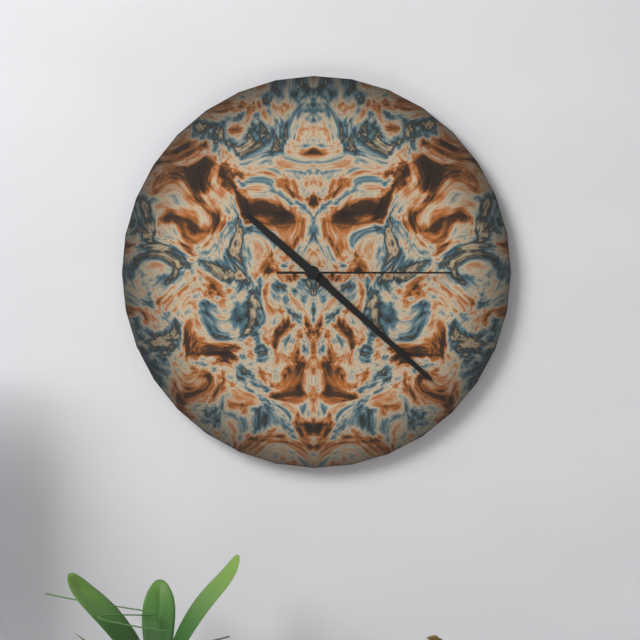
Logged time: 10 h 22 min 15 s
